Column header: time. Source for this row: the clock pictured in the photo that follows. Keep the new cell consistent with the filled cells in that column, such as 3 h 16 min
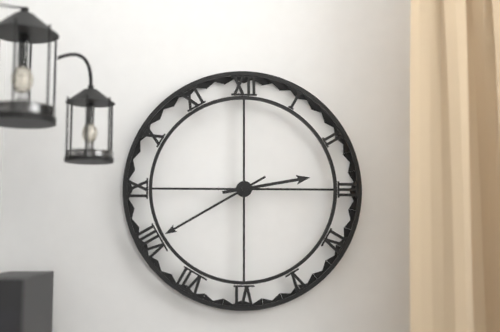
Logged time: 2 h 40 min
